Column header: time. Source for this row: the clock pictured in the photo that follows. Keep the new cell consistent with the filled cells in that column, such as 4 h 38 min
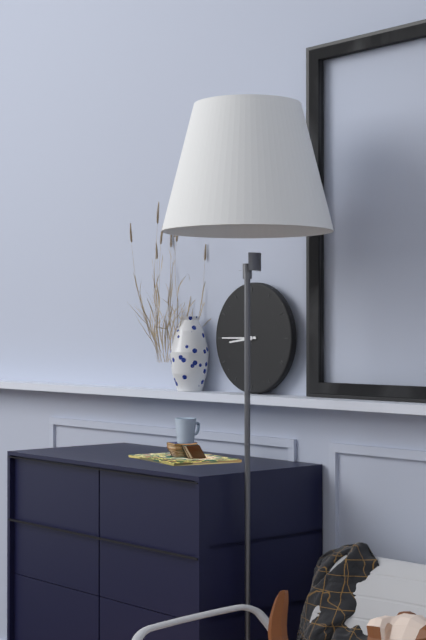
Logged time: 8 h 45 min
